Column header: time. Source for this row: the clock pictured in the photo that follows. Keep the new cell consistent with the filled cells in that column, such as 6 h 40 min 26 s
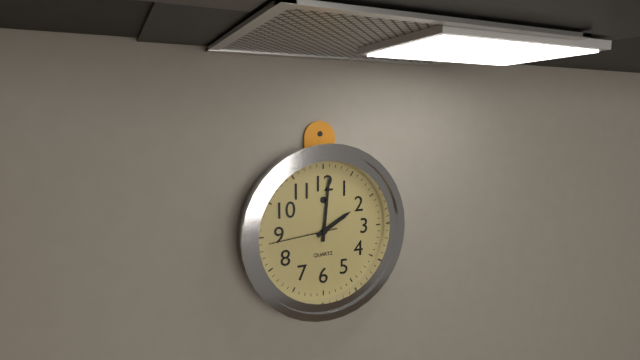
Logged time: 2 h 01 min 44 s
